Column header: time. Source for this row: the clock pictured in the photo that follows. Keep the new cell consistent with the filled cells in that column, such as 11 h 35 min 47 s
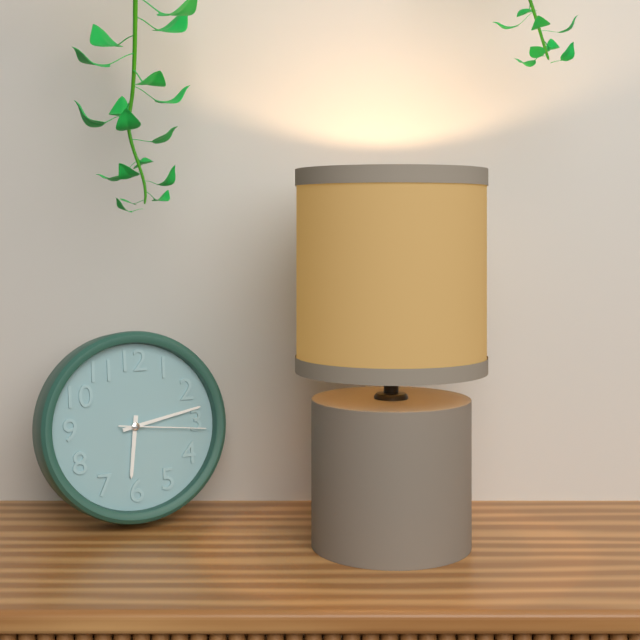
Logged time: 6 h 13 min 16 s
